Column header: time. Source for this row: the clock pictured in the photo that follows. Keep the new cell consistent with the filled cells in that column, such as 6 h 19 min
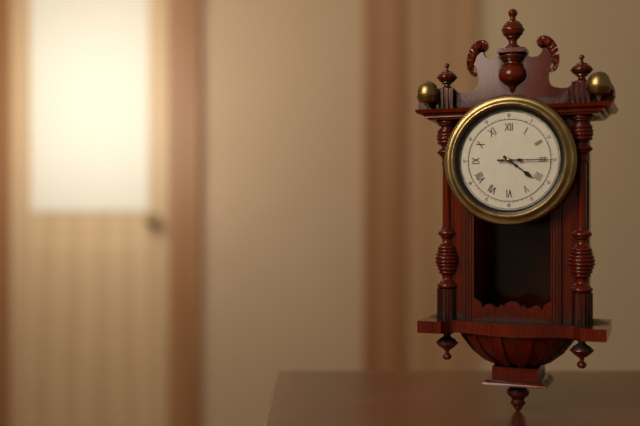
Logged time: 4 h 15 min
